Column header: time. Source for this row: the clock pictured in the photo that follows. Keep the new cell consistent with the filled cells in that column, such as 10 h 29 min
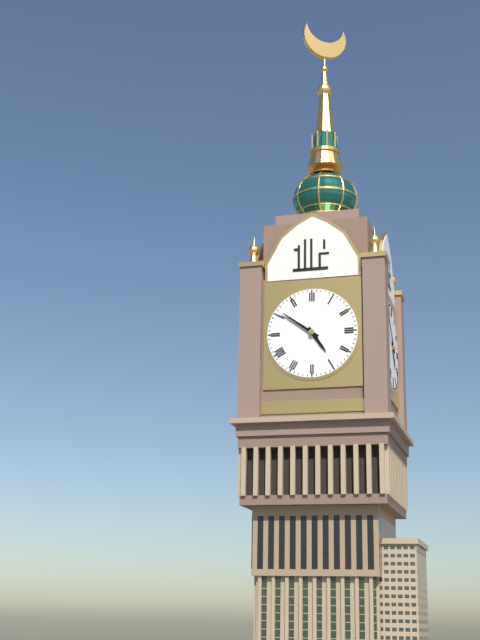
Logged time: 4 h 51 min
